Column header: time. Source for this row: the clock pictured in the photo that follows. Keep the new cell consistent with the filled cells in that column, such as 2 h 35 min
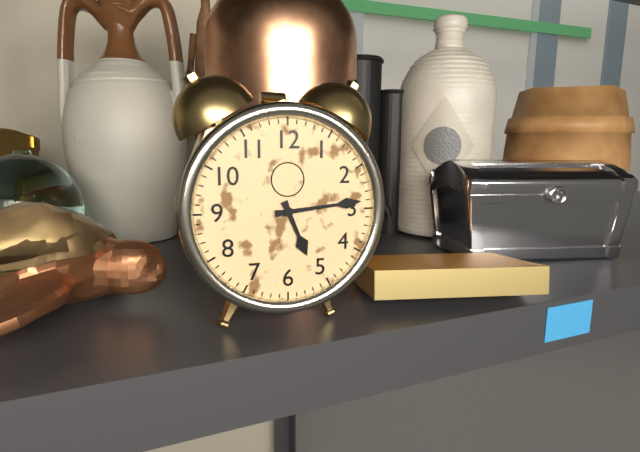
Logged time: 5 h 14 min
